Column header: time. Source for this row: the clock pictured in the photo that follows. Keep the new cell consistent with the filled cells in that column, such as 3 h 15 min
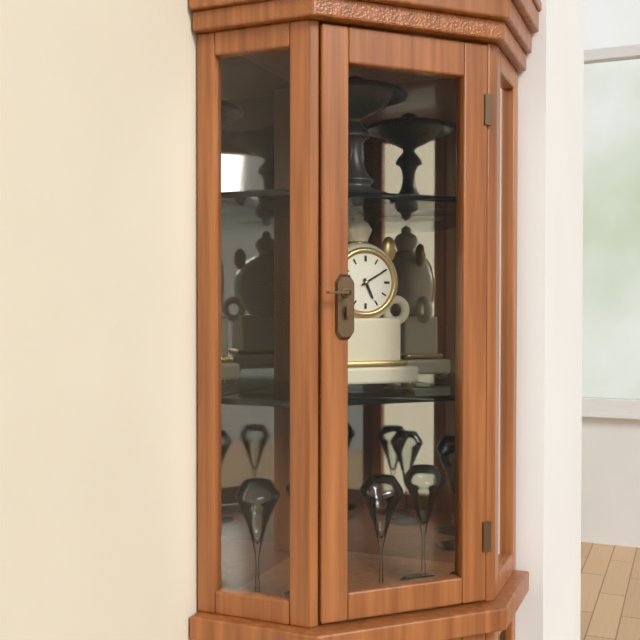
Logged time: 5 h 10 min
